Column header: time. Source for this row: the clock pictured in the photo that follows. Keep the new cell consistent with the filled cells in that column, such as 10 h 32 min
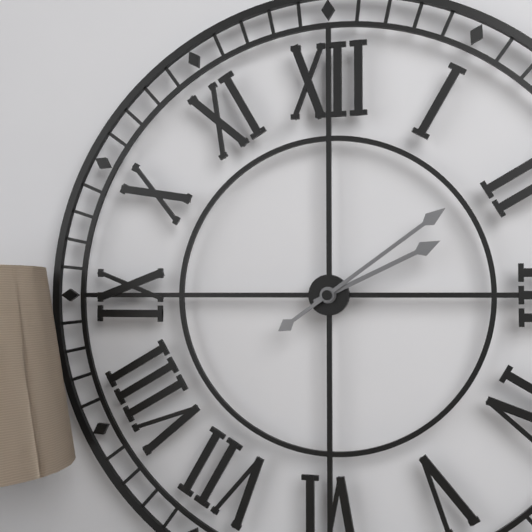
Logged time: 2 h 09 min
